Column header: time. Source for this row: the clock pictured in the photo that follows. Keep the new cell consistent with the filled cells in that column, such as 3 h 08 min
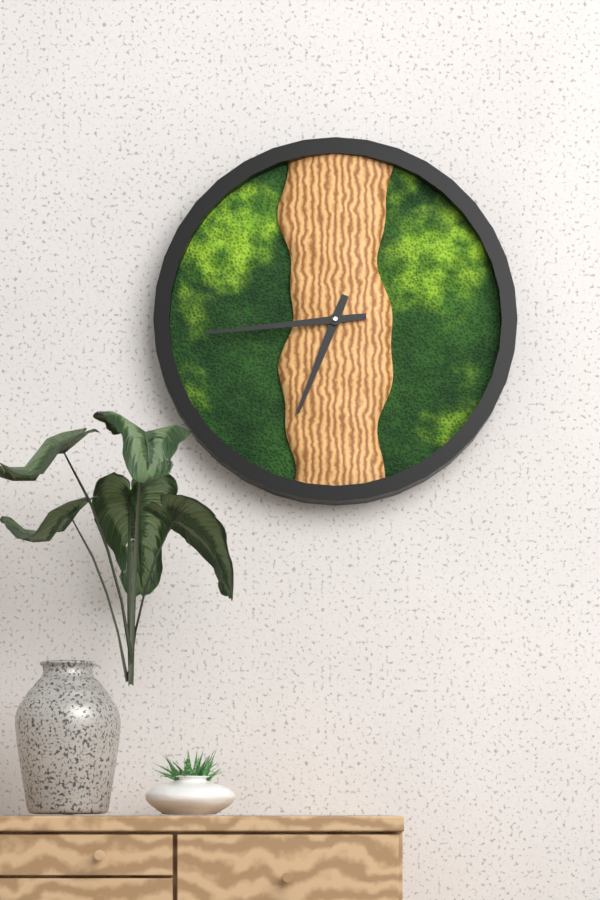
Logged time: 6 h 44 min
